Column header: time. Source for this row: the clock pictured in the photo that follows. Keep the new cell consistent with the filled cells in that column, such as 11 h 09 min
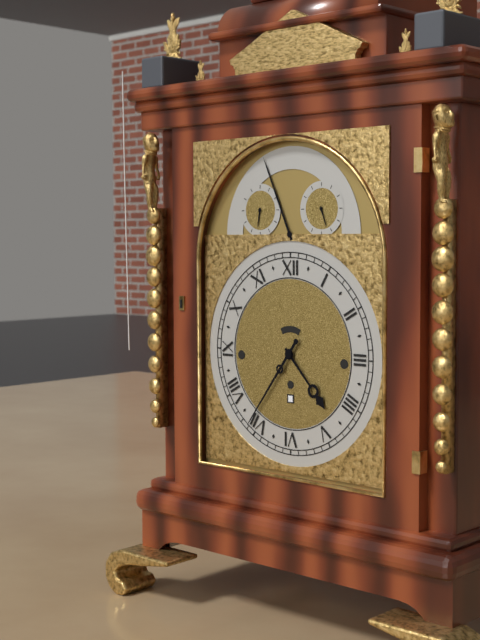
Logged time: 4 h 36 min
